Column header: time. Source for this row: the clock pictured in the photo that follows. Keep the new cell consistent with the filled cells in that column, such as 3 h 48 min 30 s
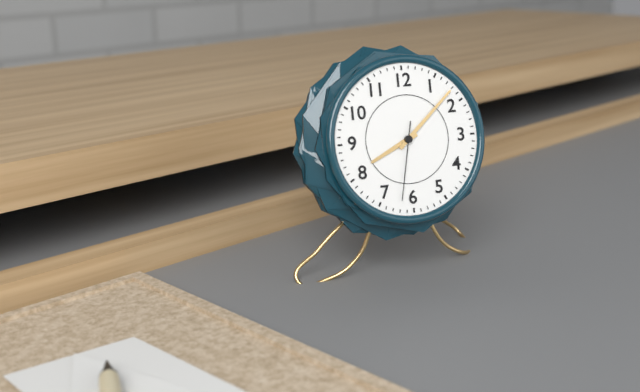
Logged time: 8 h 08 min 32 s
